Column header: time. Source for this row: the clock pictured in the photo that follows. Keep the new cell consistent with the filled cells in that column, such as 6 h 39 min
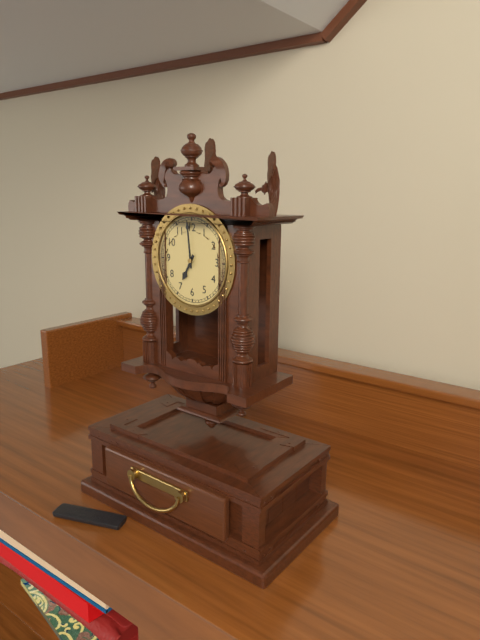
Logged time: 6 h 59 min
